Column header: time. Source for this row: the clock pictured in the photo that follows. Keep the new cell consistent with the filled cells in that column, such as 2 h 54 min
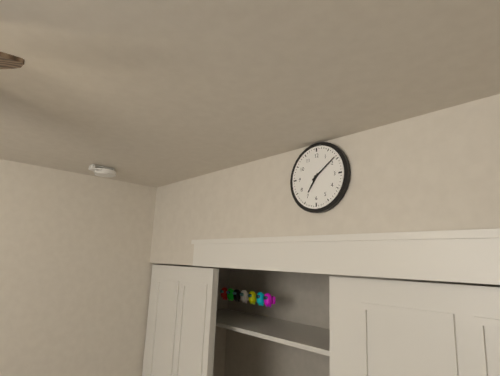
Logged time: 7 h 09 min
